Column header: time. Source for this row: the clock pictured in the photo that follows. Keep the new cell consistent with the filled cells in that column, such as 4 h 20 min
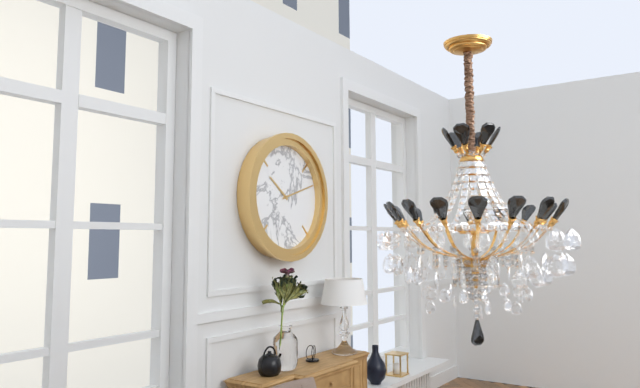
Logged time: 10 h 12 min
